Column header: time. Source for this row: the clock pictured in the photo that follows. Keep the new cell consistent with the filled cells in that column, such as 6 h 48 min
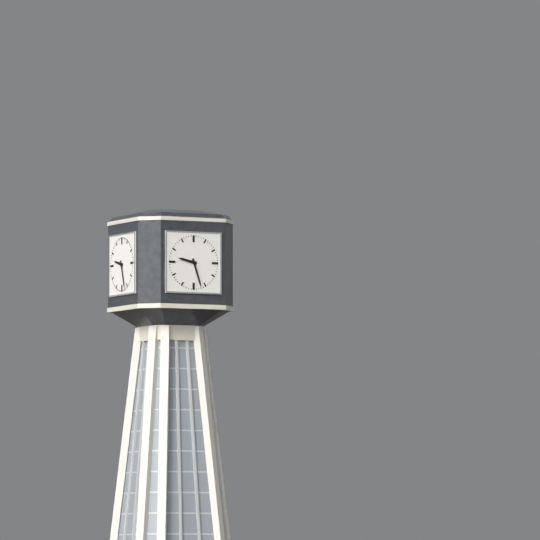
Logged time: 9 h 27 min
